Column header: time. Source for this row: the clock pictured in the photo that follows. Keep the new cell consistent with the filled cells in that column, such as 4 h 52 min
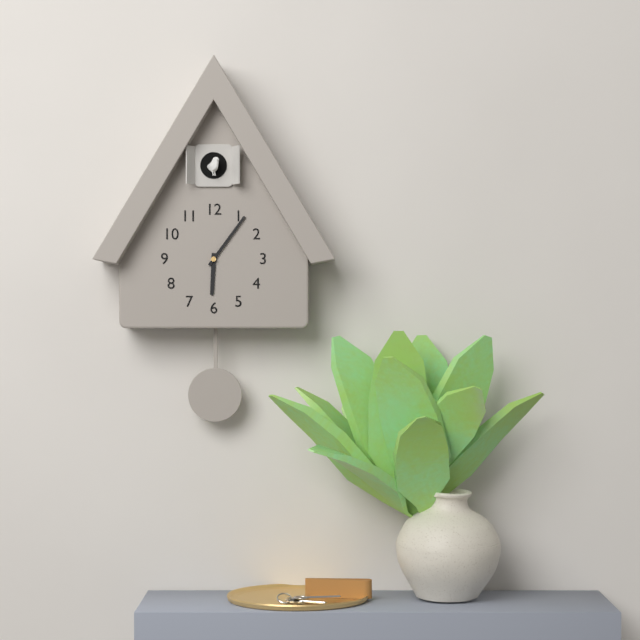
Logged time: 6 h 06 min
